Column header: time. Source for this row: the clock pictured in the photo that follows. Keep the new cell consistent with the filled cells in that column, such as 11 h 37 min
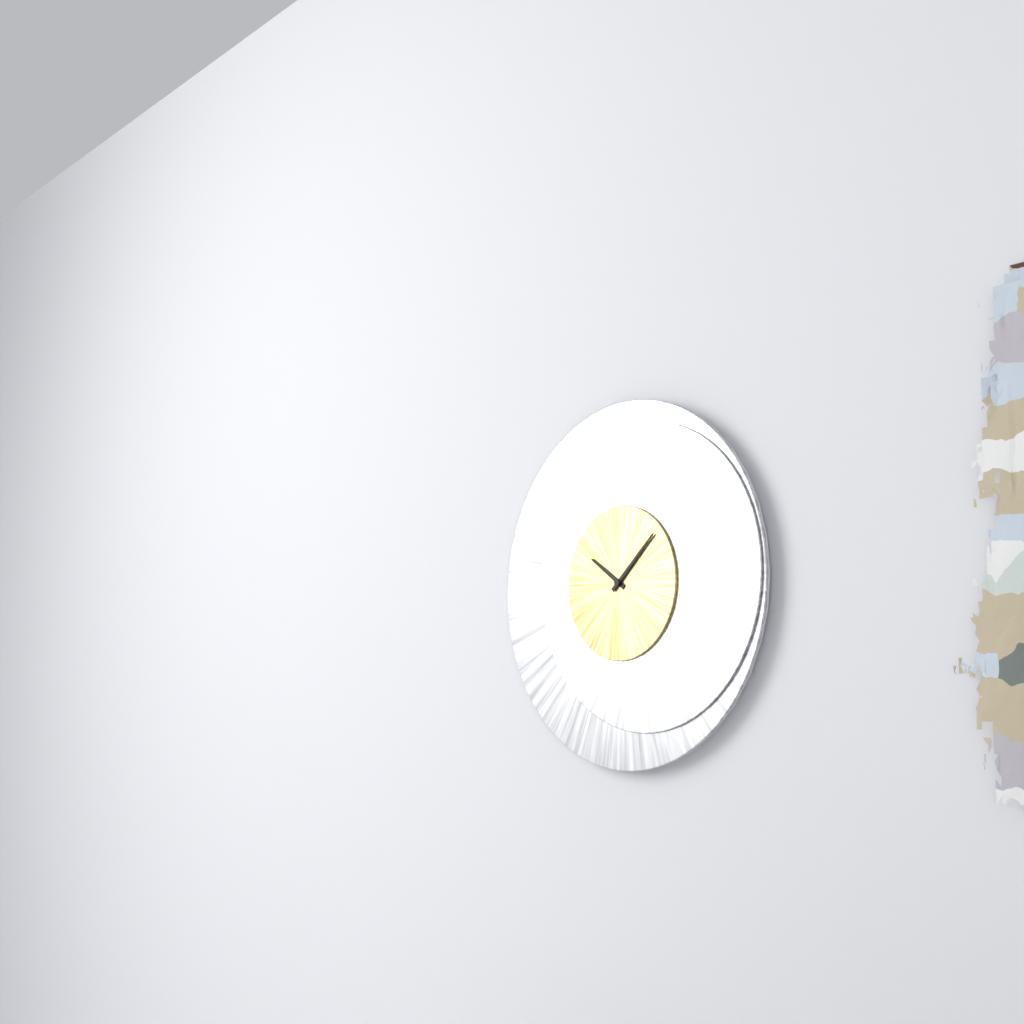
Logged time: 10 h 08 min
